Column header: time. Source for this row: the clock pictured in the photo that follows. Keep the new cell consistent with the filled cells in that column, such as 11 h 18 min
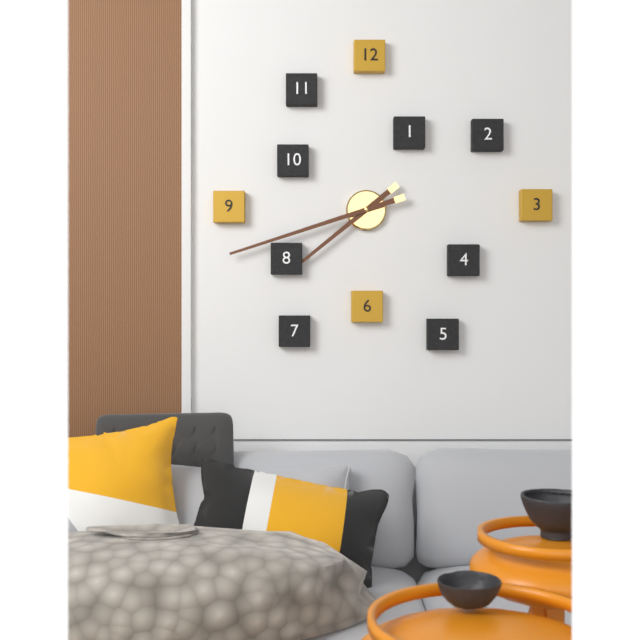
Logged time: 7 h 42 min
